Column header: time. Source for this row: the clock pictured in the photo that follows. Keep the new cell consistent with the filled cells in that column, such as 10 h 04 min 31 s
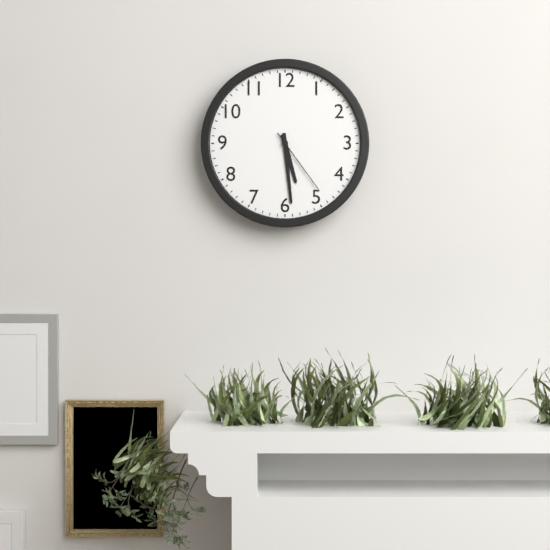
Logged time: 5 h 29 min 24 s
